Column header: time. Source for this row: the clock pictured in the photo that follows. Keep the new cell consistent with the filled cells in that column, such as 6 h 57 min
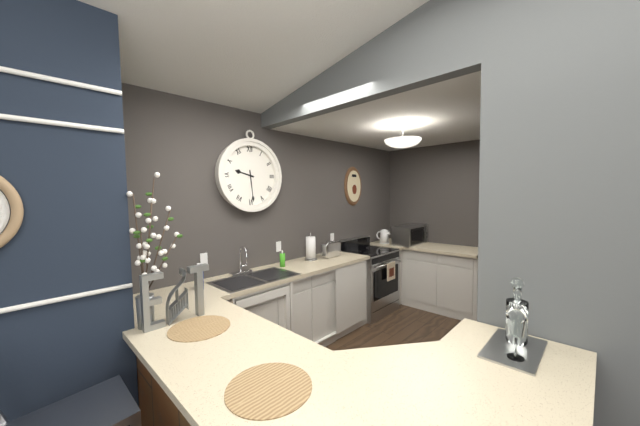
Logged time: 9 h 29 min
